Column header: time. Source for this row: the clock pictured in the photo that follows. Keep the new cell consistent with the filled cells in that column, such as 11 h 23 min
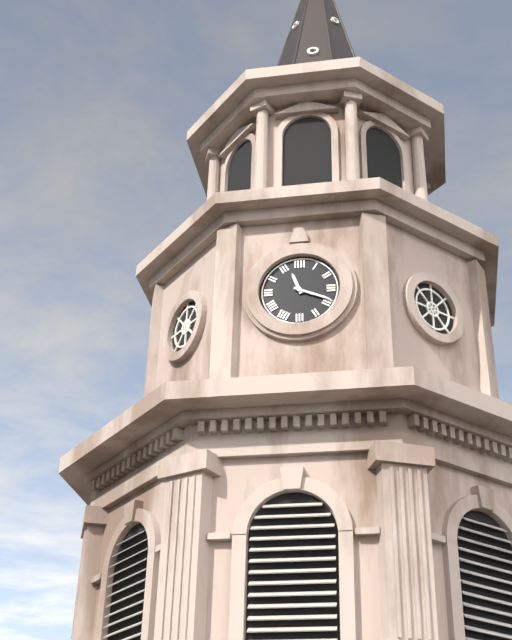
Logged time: 11 h 19 min
